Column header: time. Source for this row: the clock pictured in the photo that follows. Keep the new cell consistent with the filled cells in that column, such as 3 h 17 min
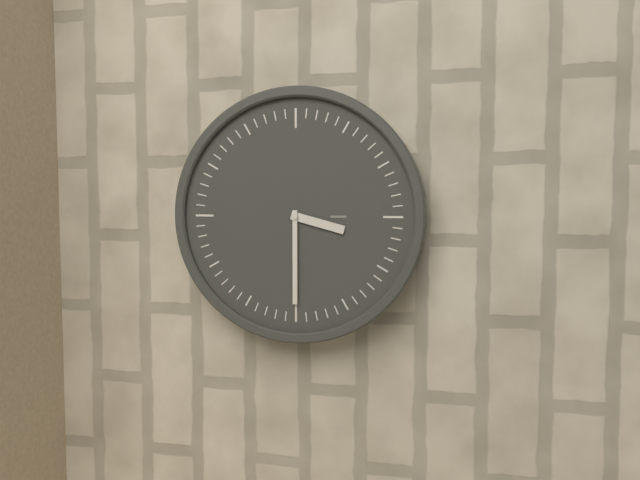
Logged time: 3 h 30 min
